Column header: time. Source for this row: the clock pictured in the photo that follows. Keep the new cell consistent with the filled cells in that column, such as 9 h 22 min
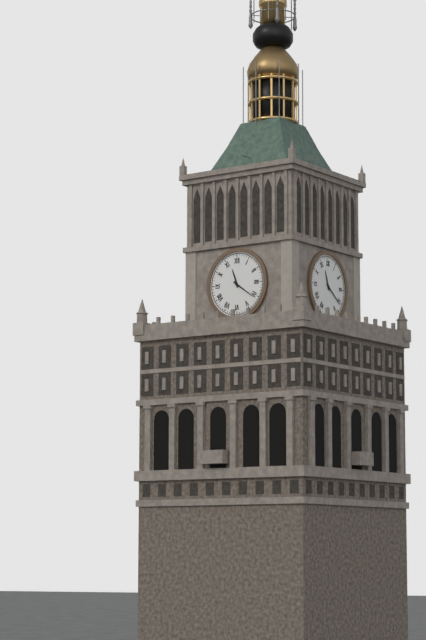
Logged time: 11 h 21 min
